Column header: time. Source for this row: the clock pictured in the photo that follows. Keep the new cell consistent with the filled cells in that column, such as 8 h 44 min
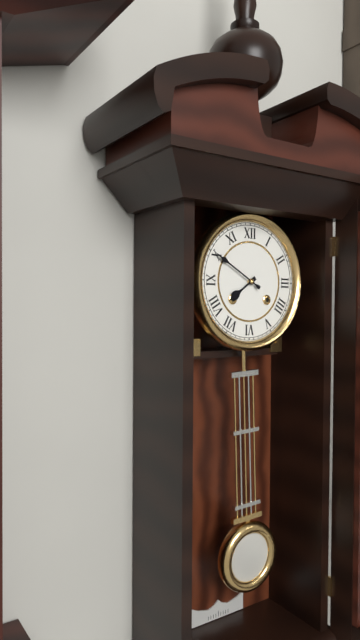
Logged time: 7 h 50 min
